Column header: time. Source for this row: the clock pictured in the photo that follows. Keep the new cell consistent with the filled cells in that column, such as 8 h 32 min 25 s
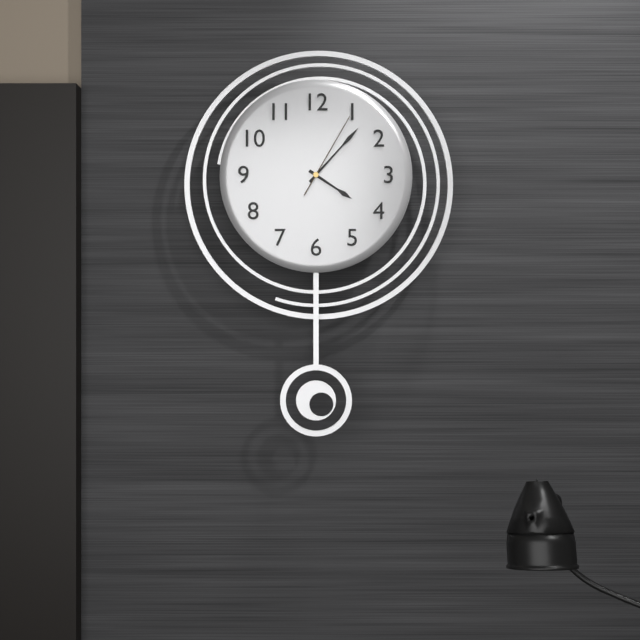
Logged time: 4 h 07 min 05 s
